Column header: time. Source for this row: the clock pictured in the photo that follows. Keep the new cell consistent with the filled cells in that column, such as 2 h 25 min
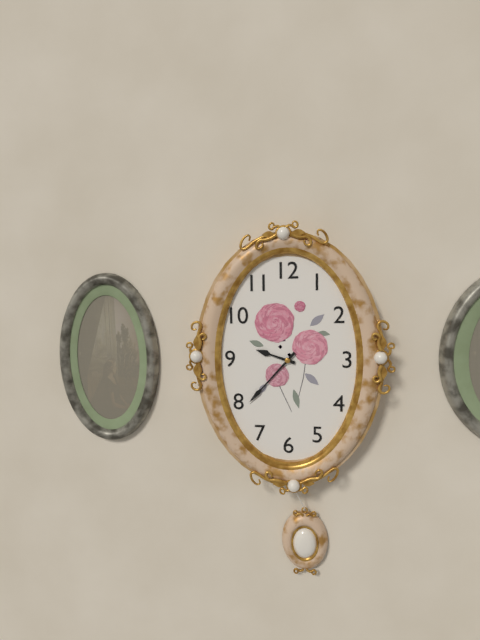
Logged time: 9 h 37 min
